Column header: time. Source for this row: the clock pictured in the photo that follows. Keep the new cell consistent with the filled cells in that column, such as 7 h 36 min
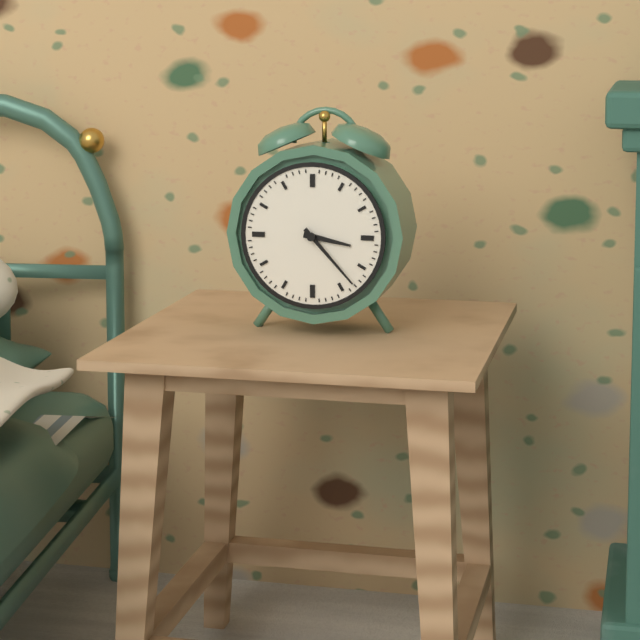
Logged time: 3 h 23 min
